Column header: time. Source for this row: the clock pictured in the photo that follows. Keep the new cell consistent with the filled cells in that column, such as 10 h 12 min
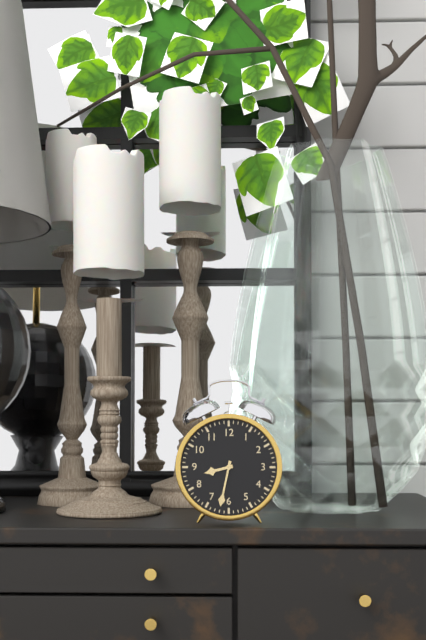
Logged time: 8 h 32 min
